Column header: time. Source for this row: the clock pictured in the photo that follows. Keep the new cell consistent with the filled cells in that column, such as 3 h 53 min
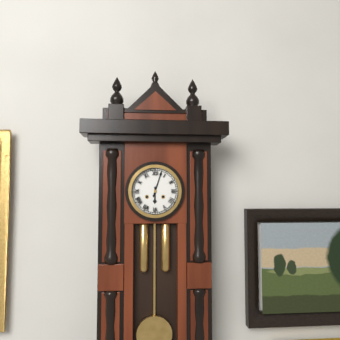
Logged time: 6 h 03 min
